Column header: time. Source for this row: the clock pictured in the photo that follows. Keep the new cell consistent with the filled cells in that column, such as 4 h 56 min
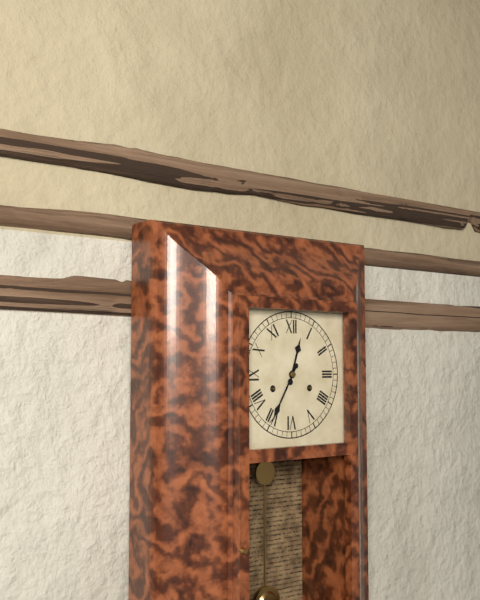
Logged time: 12 h 35 min
